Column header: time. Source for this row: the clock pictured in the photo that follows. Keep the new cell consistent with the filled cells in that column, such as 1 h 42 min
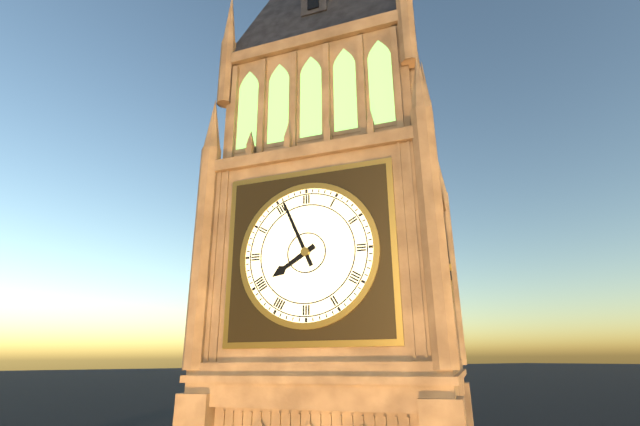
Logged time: 7 h 56 min
